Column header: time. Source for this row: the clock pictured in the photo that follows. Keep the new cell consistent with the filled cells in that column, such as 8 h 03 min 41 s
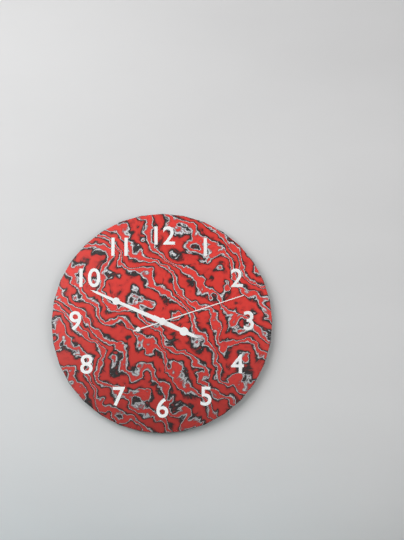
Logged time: 3 h 49 min 12 s
